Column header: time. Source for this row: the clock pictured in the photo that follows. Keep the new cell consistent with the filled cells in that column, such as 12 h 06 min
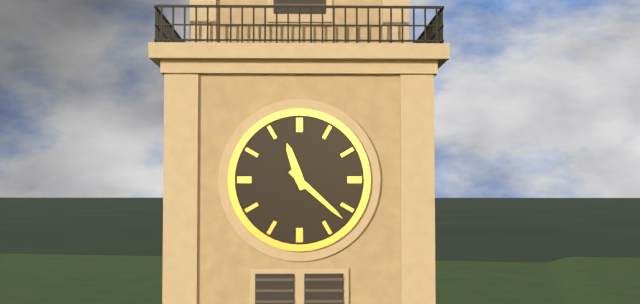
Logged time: 11 h 22 min
